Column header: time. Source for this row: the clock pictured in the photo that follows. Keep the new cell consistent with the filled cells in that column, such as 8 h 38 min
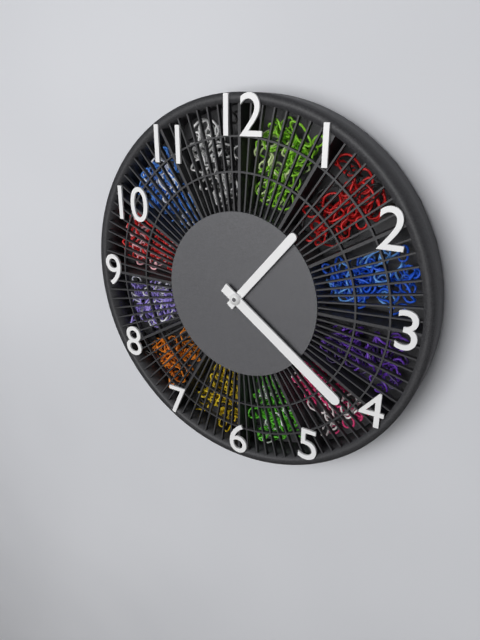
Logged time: 1 h 21 min
